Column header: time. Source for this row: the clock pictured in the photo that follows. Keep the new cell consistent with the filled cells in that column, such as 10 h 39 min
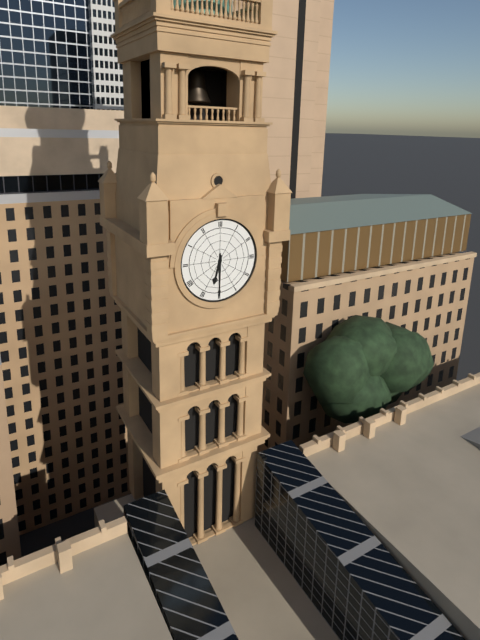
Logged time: 6 h 30 min
